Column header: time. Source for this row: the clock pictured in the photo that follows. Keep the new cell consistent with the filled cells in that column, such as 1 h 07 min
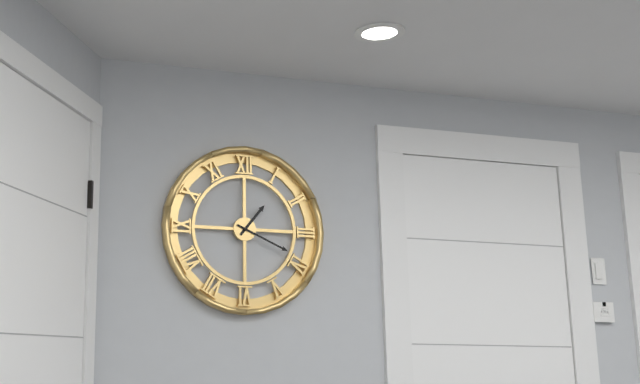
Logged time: 1 h 19 min
